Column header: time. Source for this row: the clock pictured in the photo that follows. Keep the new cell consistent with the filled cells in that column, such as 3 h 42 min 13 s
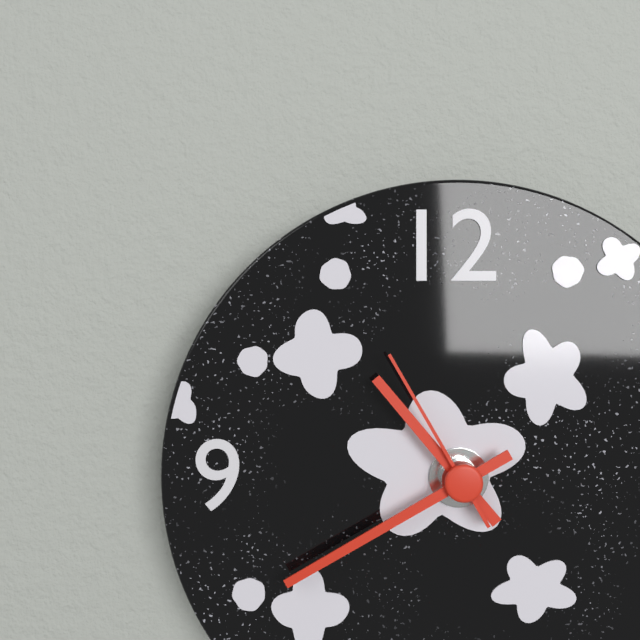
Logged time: 10 h 40 min 55 s
